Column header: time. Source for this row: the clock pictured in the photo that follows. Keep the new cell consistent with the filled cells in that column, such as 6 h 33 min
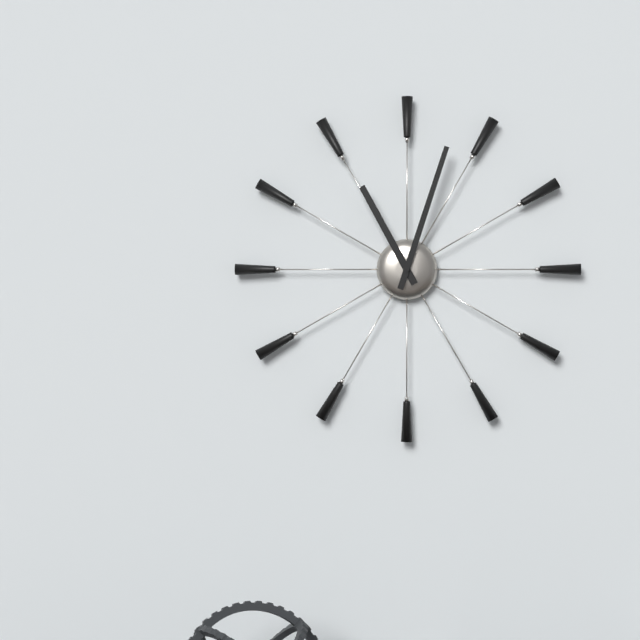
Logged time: 11 h 03 min
